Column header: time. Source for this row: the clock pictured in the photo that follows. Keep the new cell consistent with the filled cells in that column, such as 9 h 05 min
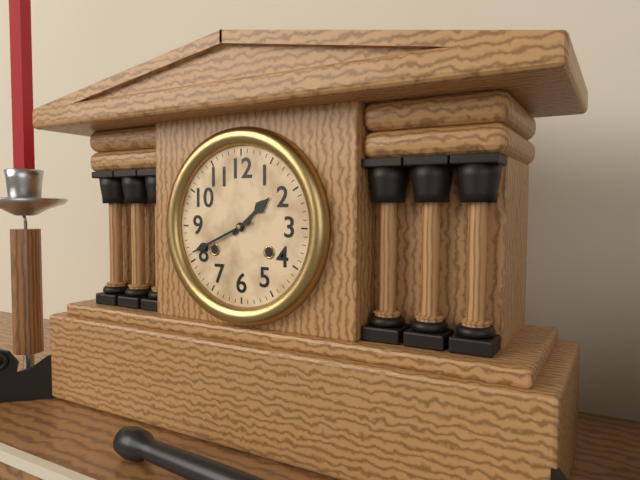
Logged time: 1 h 41 min
